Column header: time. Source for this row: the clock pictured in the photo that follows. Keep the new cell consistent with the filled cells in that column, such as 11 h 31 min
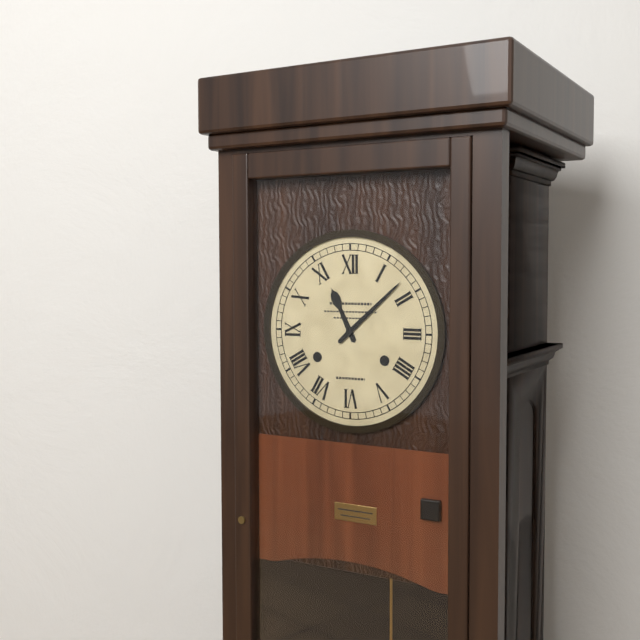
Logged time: 11 h 08 min
